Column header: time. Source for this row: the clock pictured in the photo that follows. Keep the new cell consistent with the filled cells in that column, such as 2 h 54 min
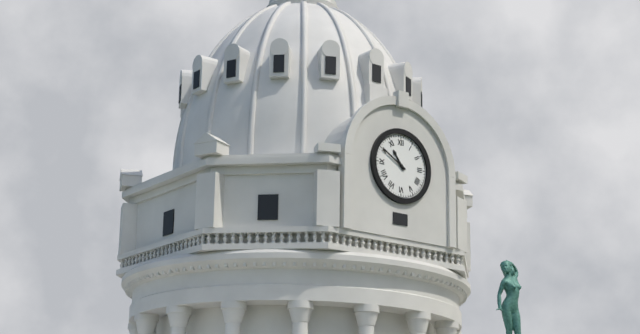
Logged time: 10 h 50 min
